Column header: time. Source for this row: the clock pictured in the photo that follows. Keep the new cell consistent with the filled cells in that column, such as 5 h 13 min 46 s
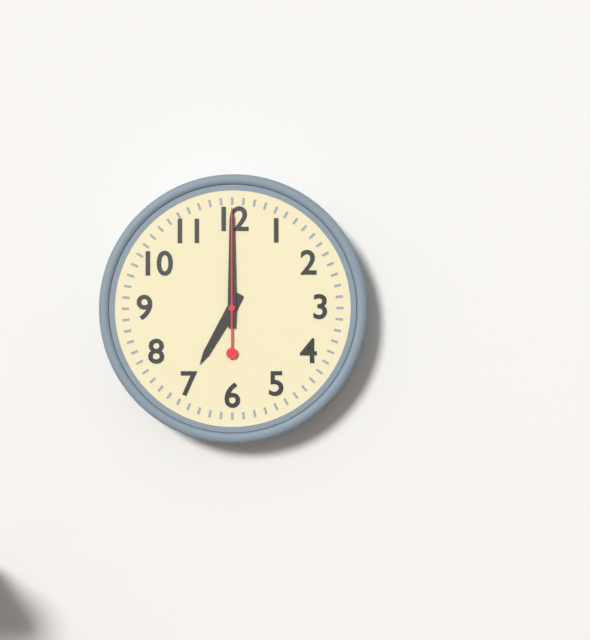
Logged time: 7 h 00 min 00 s
